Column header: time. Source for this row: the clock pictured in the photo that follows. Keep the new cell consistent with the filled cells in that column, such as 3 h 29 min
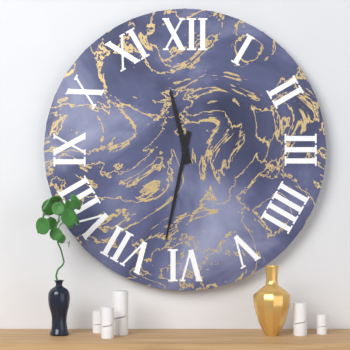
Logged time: 11 h 32 min
